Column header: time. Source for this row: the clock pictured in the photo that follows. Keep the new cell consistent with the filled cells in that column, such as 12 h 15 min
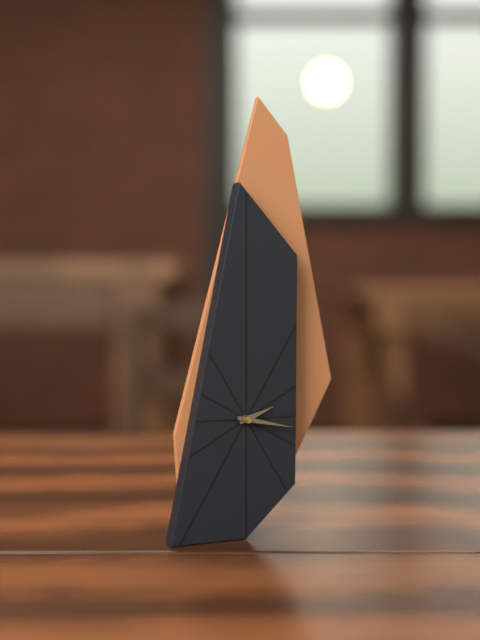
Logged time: 2 h 17 min
